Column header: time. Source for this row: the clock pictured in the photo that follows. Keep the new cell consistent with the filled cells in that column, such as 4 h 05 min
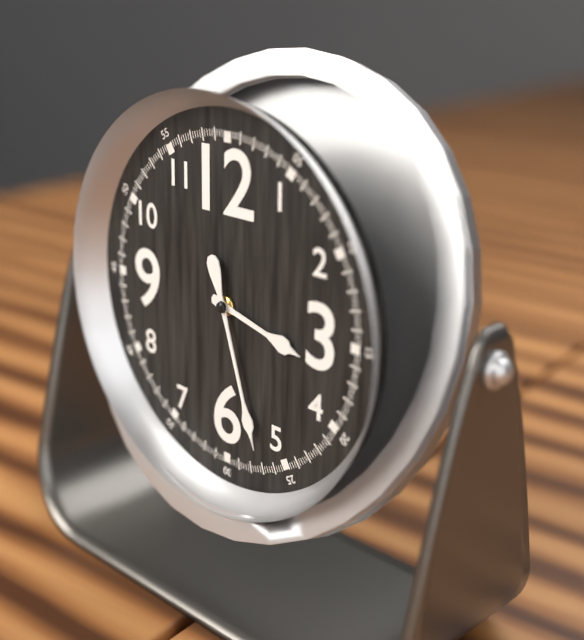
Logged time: 3 h 27 min
